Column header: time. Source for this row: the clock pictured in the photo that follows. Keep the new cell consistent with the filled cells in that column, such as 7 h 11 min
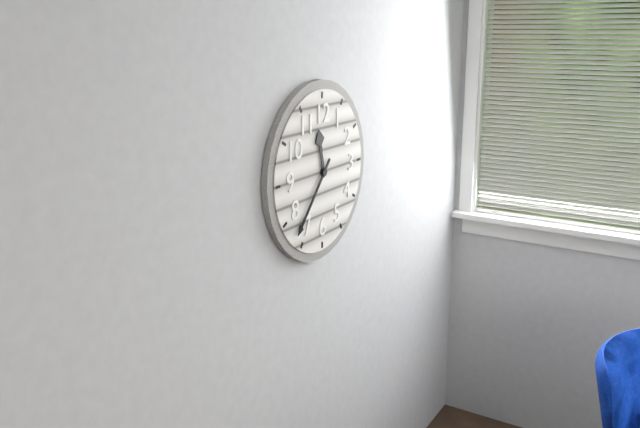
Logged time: 11 h 37 min
